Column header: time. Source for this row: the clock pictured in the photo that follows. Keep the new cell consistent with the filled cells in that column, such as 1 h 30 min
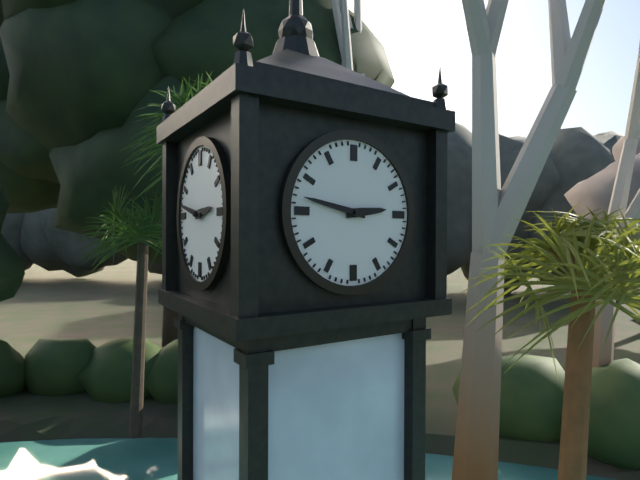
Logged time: 2 h 47 min
